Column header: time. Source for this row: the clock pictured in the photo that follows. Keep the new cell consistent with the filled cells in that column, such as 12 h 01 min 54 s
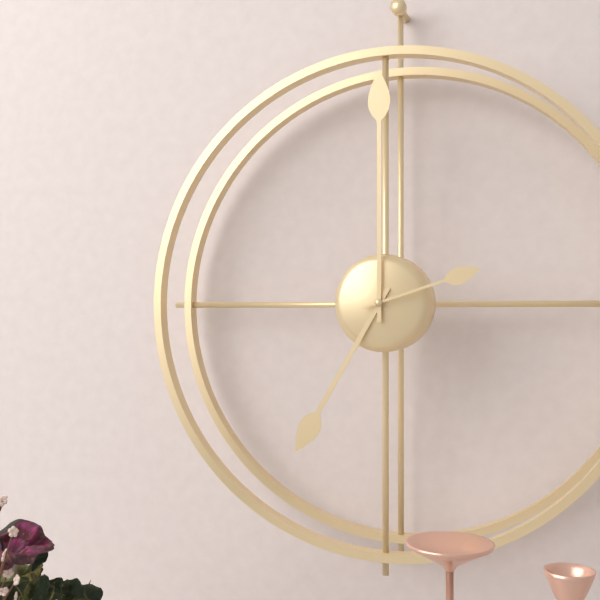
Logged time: 7 h 00 min 12 s
